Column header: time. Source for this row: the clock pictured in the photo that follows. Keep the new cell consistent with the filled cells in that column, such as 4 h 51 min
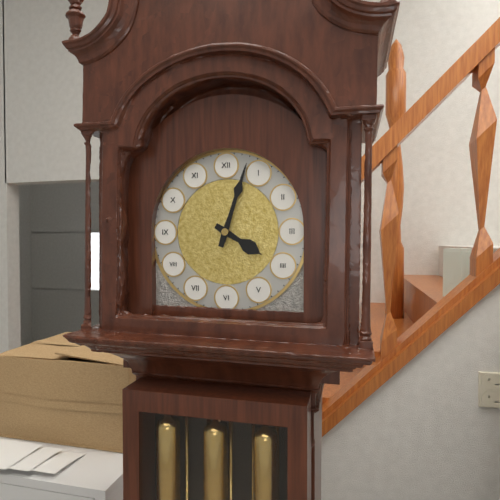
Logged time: 4 h 03 min
